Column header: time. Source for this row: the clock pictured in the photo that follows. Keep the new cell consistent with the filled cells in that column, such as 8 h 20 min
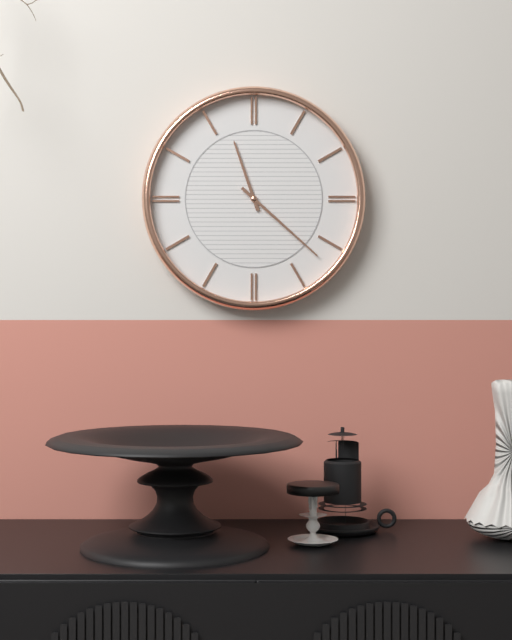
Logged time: 11 h 22 min
